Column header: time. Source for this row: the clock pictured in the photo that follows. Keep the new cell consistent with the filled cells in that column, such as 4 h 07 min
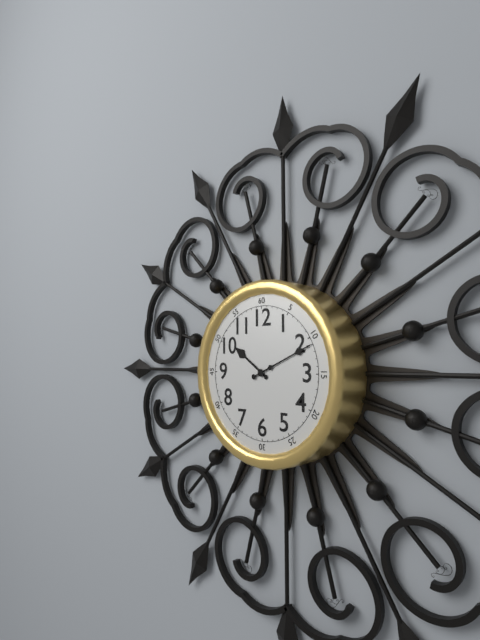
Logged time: 10 h 11 min
